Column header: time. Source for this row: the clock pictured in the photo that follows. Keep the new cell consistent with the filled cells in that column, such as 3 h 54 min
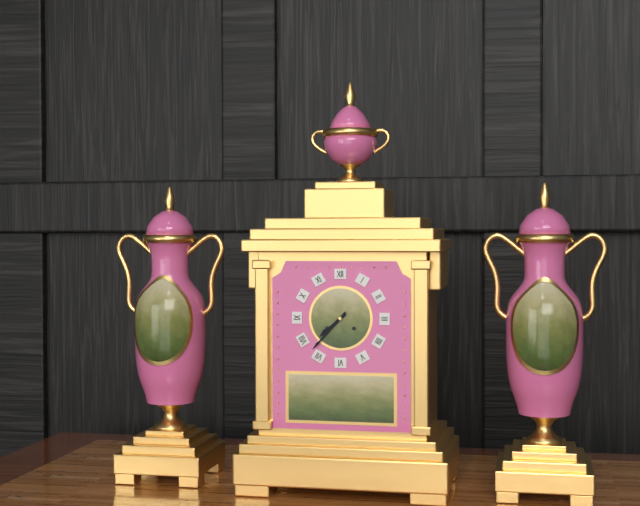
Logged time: 7 h 37 min
